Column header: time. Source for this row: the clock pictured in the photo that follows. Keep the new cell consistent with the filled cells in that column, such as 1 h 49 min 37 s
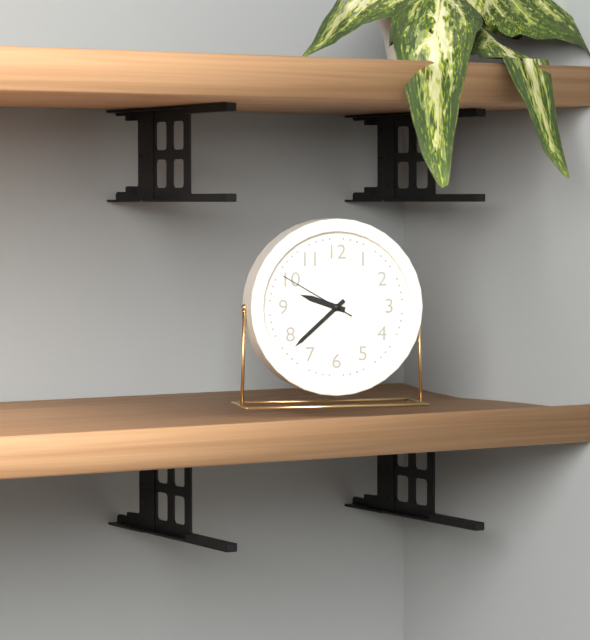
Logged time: 9 h 38 min 50 s
